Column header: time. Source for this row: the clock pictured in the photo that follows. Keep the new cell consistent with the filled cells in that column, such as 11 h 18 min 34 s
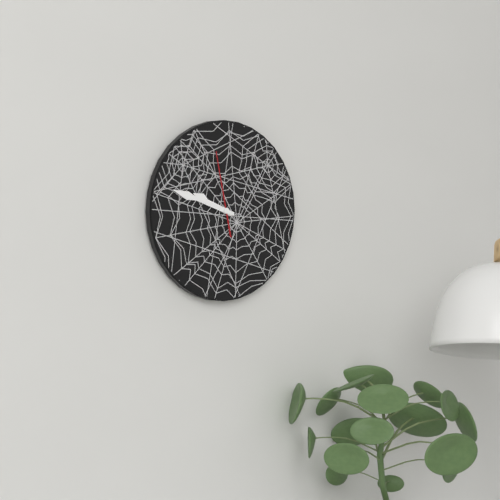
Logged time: 9 h 48 min 58 s
